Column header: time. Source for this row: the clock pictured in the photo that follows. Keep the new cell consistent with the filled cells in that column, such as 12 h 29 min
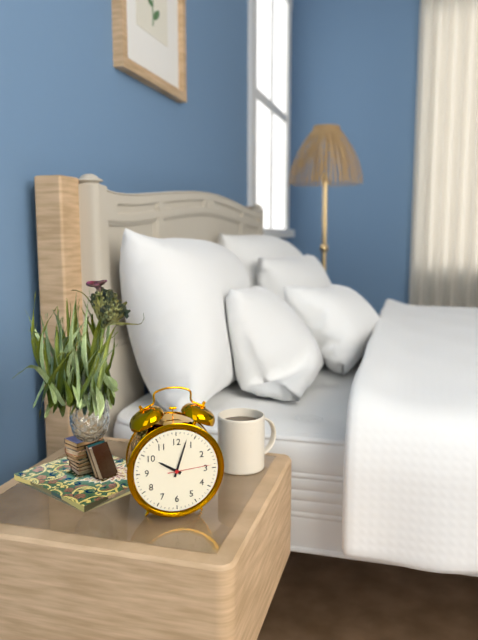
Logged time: 10 h 03 min
